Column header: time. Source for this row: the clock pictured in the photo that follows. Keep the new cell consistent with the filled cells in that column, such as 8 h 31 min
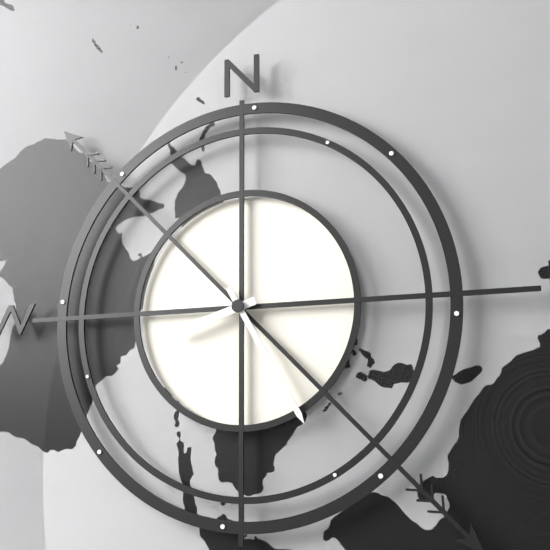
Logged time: 8 h 25 min
